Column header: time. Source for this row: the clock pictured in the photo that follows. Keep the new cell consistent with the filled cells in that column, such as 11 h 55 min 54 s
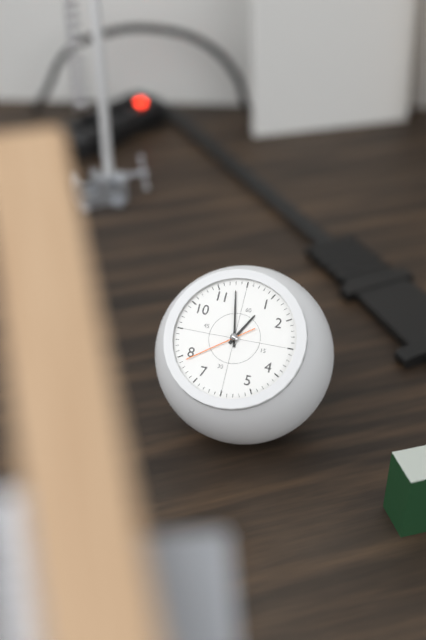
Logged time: 12 h 58 min 39 s
